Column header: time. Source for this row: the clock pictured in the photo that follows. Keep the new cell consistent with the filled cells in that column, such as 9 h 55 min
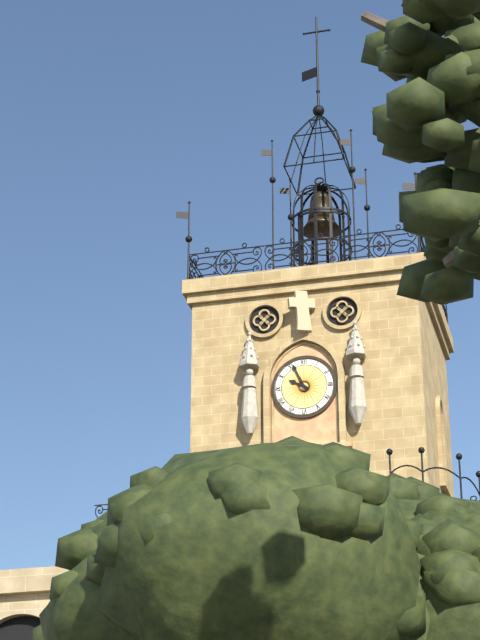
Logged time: 9 h 56 min
